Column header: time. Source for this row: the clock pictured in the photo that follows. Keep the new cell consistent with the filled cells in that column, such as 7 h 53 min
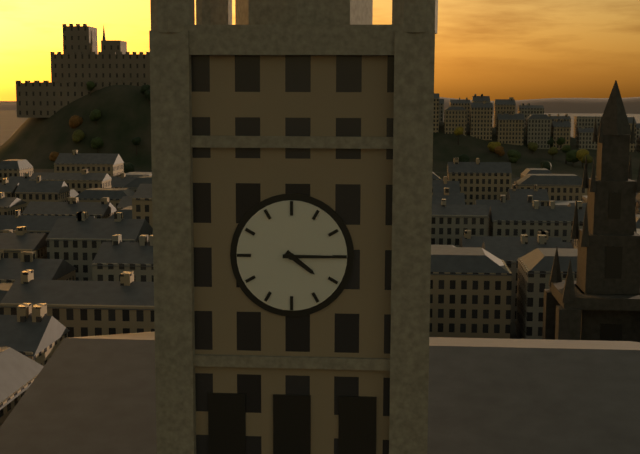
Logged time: 4 h 15 min
